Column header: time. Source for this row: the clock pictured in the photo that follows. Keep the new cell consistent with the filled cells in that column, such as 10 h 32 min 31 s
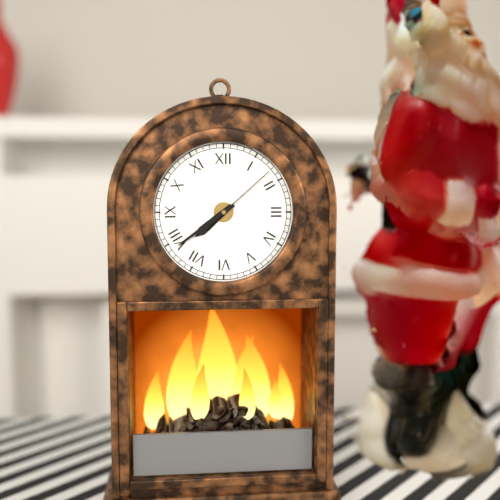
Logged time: 7 h 39 min 08 s
